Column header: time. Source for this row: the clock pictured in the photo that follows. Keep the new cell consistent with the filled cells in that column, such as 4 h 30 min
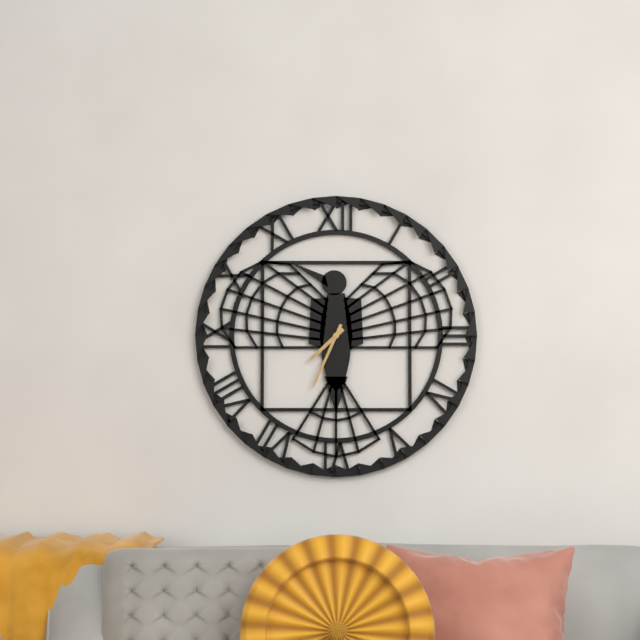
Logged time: 7 h 34 min
